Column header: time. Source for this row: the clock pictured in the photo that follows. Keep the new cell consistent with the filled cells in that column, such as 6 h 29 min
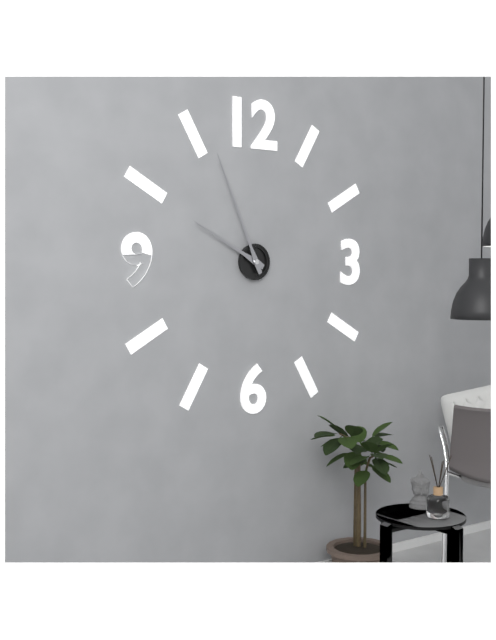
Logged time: 9 h 56 min
